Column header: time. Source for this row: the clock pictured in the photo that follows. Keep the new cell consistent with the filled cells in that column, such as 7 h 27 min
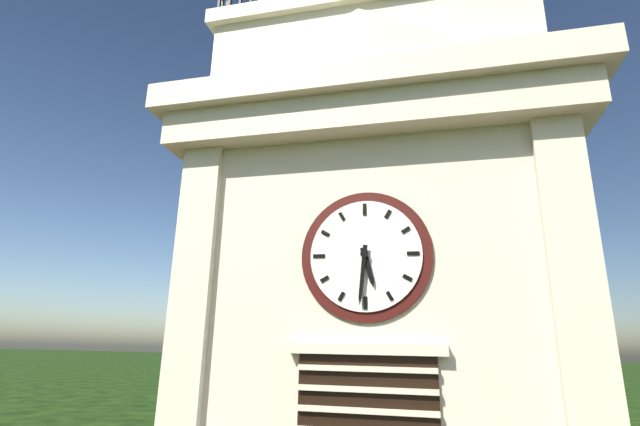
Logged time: 5 h 31 min
